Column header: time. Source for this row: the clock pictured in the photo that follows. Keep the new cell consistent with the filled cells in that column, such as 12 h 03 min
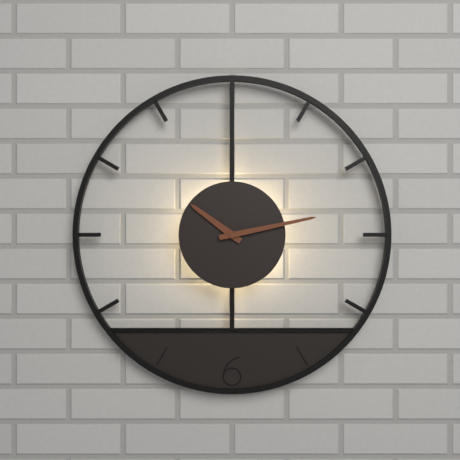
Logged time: 10 h 13 min
